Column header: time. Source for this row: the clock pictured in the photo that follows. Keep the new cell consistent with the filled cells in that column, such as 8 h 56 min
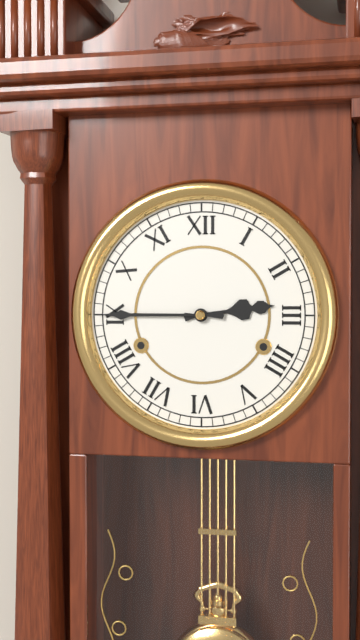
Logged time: 2 h 45 min
